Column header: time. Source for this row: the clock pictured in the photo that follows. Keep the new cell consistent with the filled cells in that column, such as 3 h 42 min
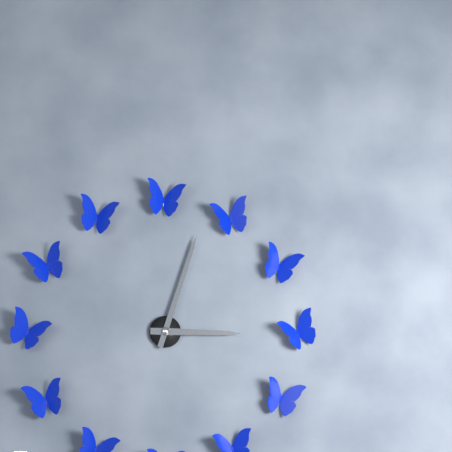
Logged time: 3 h 03 min
